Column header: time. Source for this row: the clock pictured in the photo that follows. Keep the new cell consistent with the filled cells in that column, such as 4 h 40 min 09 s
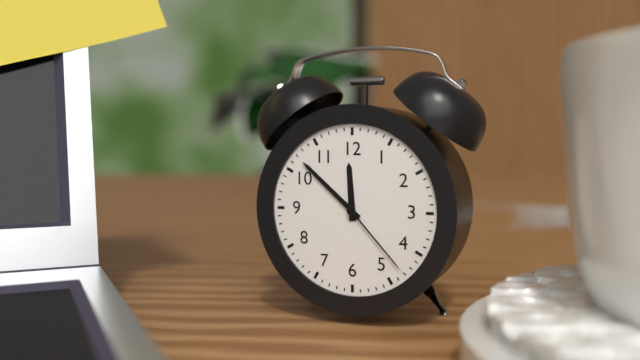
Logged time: 11 h 52 min 23 s
